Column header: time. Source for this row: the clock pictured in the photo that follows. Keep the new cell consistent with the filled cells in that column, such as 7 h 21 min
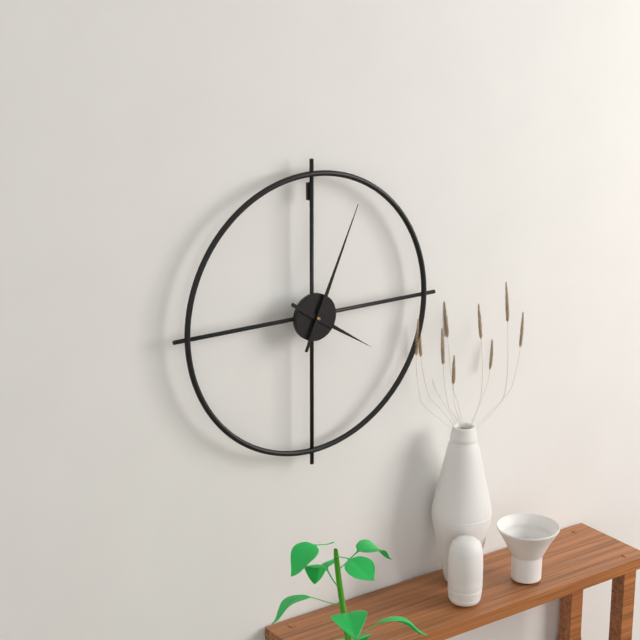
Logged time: 4 h 04 min
